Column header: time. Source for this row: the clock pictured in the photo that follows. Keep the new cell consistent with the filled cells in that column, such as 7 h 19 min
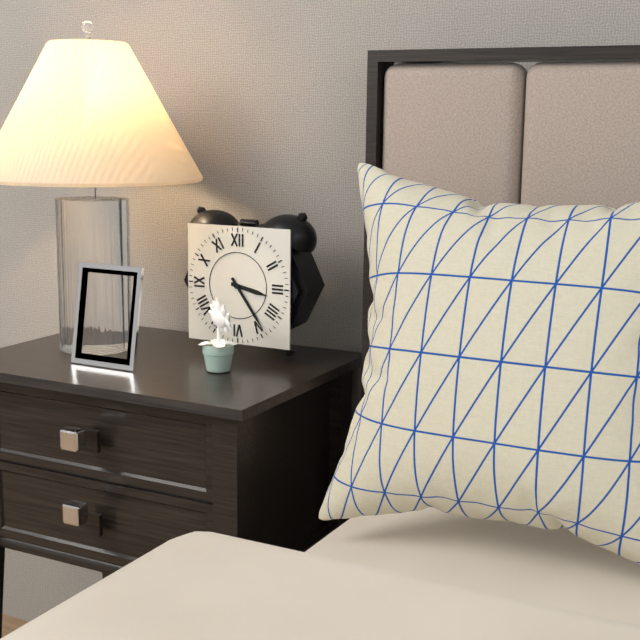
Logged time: 3 h 24 min
